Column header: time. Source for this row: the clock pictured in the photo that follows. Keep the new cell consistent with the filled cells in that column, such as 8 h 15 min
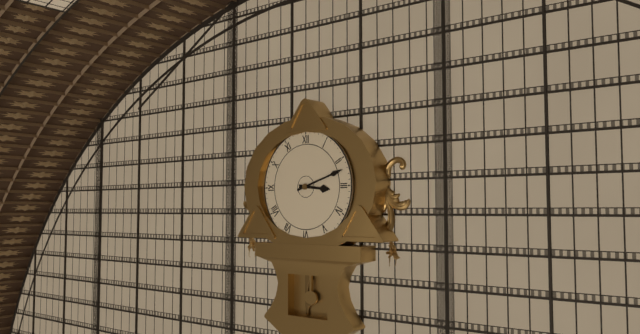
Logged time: 3 h 12 min
